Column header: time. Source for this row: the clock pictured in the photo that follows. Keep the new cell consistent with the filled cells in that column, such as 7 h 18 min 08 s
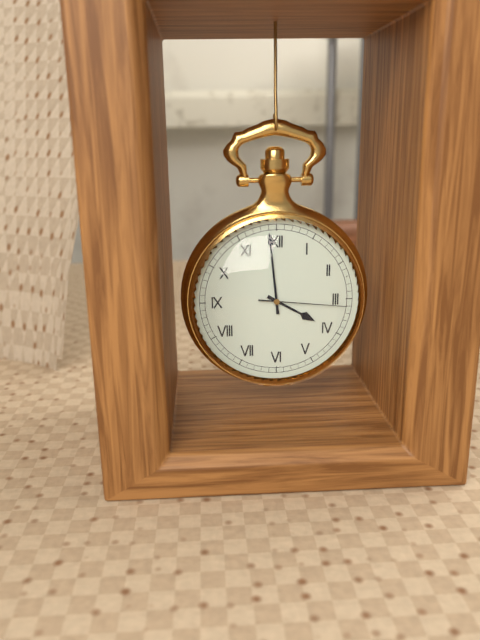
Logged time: 3 h 59 min 16 s
